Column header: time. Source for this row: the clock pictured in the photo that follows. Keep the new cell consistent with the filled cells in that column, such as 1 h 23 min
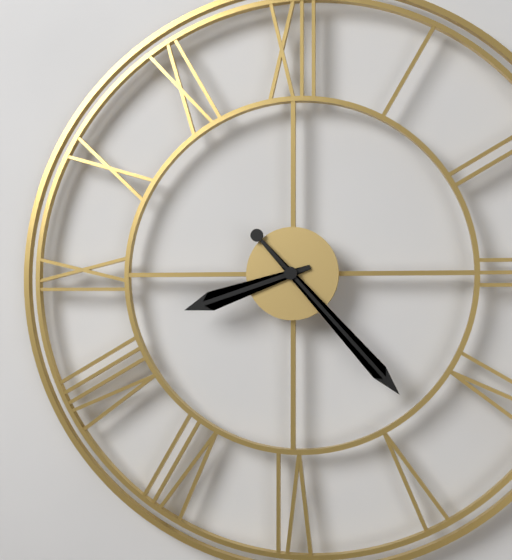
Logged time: 8 h 23 min
